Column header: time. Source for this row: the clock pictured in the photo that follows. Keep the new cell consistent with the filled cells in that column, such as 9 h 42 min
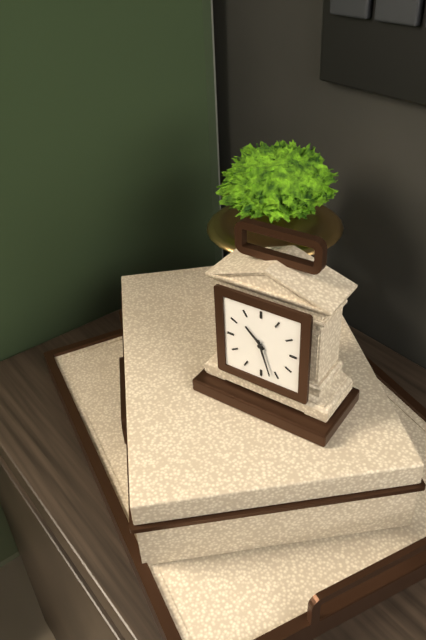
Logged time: 10 h 27 min
